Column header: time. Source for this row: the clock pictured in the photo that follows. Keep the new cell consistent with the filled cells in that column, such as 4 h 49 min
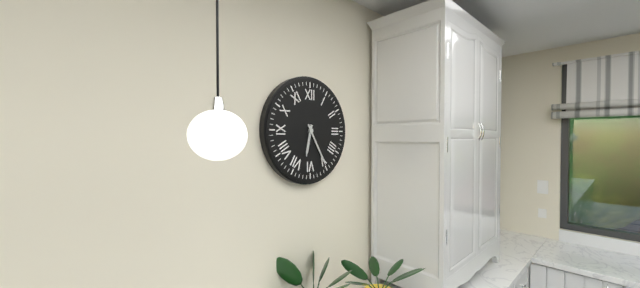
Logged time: 6 h 25 min
